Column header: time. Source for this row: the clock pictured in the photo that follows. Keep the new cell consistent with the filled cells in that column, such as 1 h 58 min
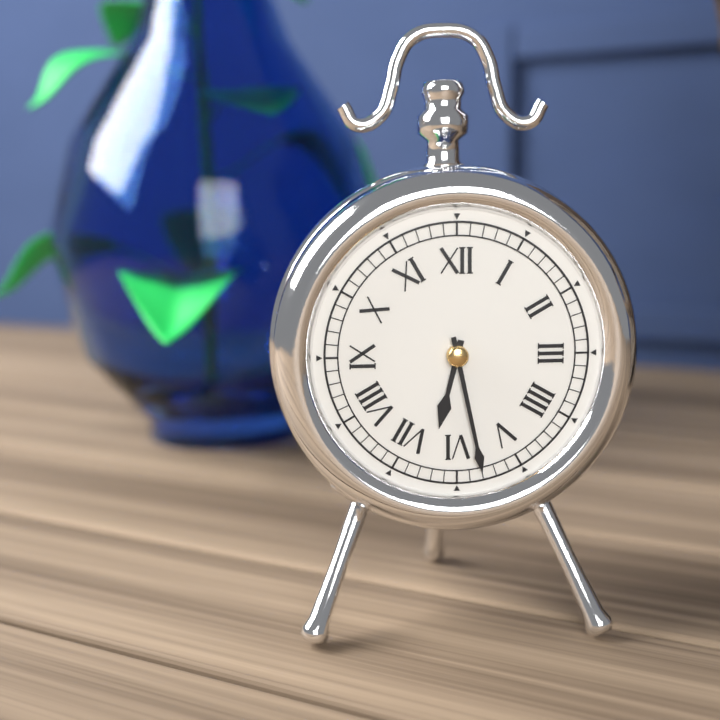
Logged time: 6 h 28 min
